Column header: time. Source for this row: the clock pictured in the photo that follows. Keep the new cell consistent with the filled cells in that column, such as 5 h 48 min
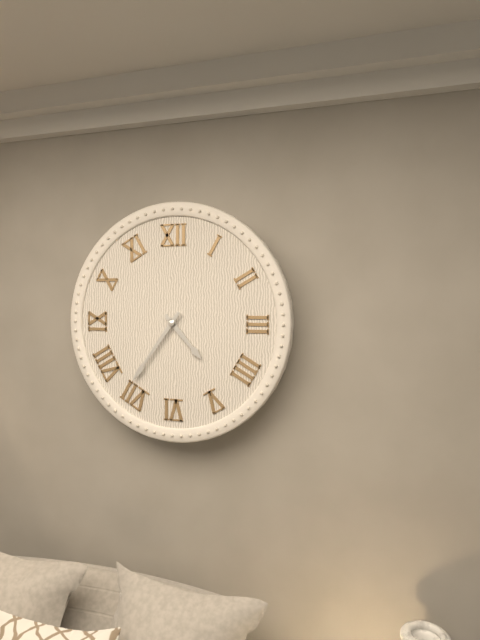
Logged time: 4 h 36 min
